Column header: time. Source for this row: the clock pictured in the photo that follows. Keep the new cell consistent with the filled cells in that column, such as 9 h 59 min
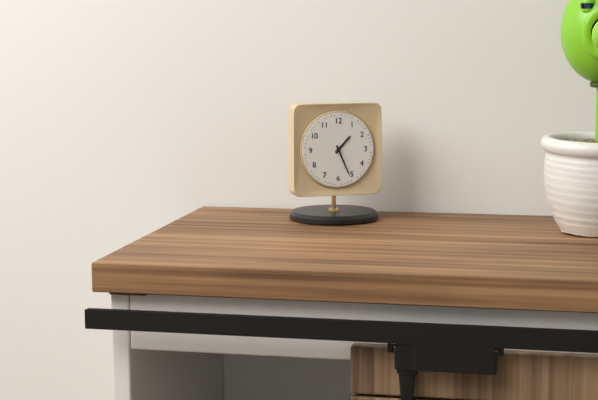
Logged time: 1 h 26 min
